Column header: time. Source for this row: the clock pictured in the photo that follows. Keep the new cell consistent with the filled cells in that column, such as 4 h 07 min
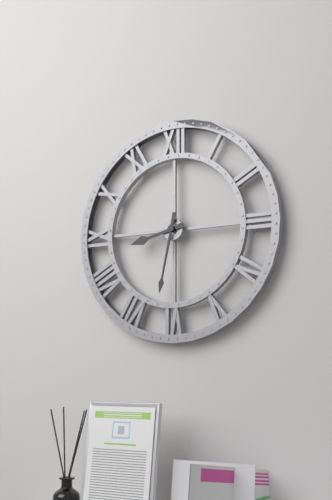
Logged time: 8 h 32 min
